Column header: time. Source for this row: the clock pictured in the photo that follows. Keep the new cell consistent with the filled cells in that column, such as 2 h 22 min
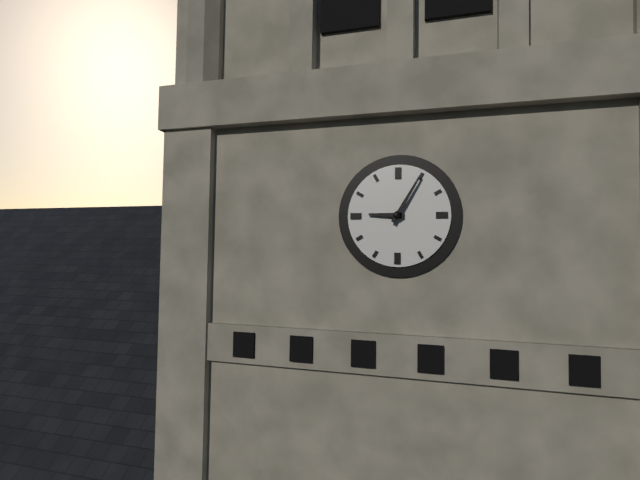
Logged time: 9 h 05 min
